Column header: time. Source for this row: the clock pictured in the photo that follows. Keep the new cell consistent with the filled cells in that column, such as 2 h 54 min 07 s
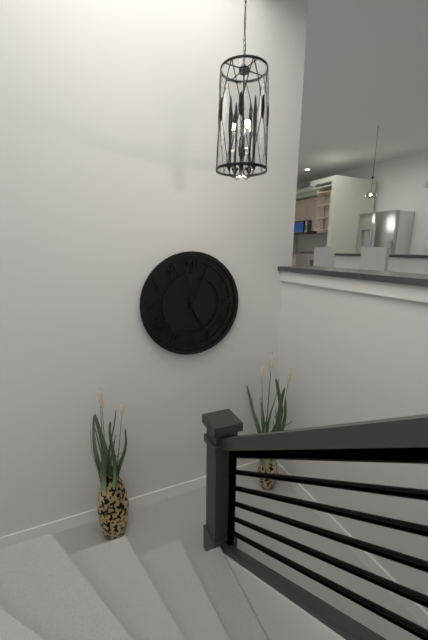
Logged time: 5 h 04 min 58 s
